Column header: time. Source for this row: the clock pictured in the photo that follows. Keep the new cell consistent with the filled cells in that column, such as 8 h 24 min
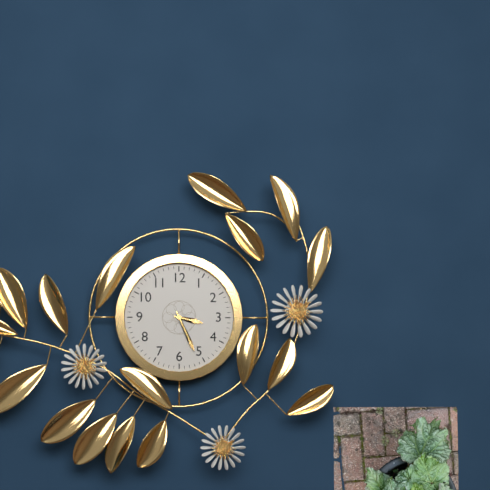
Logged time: 3 h 26 min
